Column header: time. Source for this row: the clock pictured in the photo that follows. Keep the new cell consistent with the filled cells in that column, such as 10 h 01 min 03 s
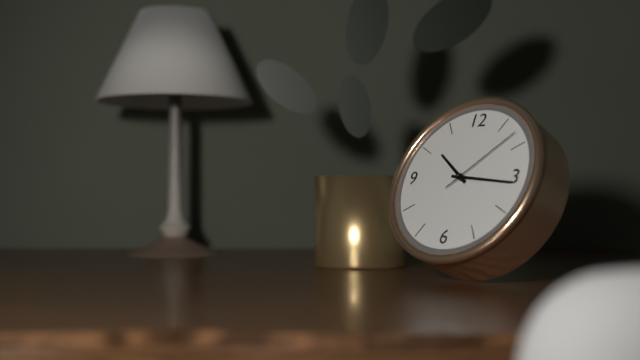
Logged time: 10 h 16 min 08 s
